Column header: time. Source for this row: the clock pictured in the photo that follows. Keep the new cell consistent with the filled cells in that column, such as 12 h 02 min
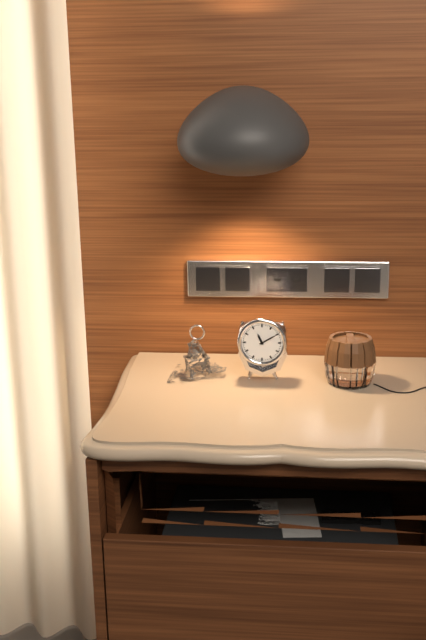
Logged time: 11 h 10 min
